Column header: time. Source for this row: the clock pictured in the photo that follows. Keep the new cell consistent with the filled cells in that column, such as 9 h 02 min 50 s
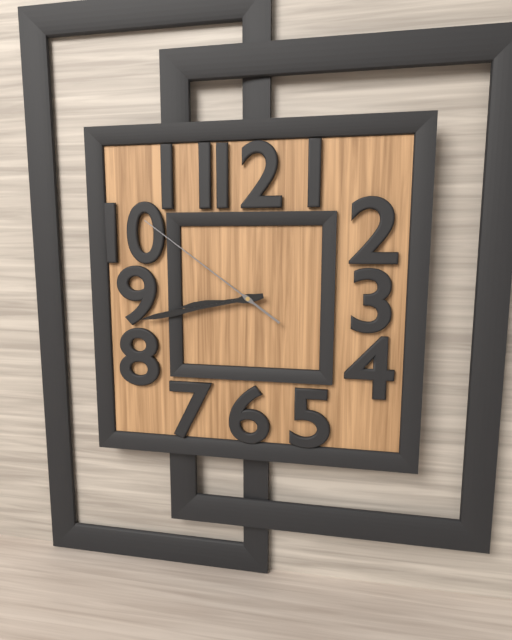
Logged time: 8 h 43 min 51 s
